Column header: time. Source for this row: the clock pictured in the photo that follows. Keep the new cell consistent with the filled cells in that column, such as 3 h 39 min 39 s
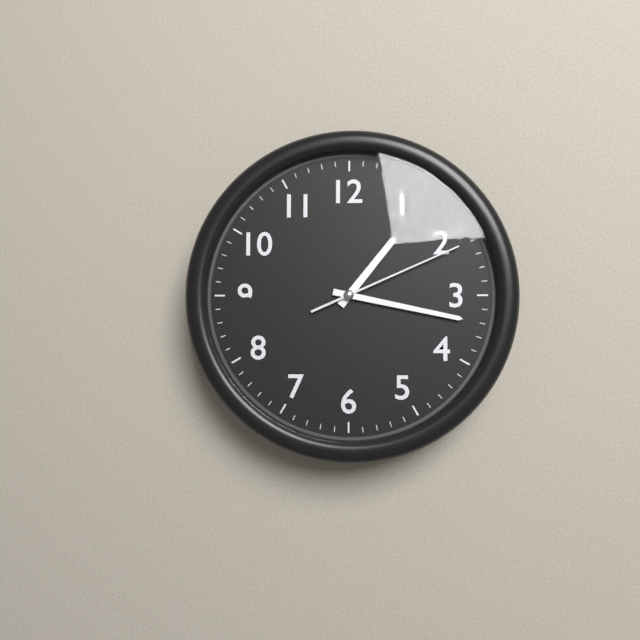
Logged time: 1 h 17 min 11 s
